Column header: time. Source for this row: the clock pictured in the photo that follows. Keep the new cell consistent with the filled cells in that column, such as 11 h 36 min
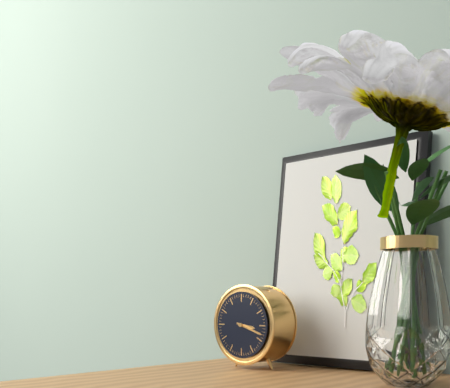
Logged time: 3 h 18 min
